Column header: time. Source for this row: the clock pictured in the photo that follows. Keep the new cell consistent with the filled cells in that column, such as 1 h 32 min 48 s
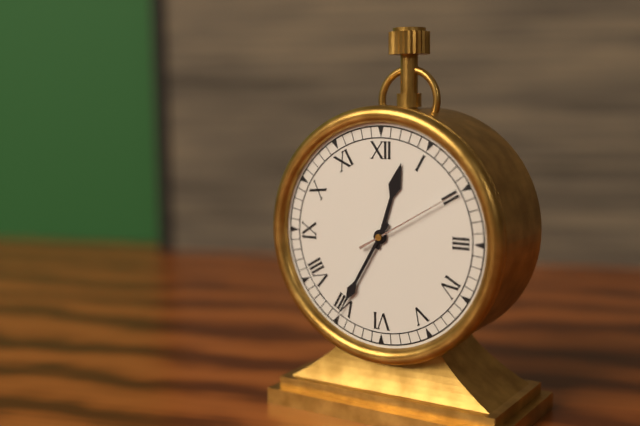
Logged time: 12 h 35 min 10 s
